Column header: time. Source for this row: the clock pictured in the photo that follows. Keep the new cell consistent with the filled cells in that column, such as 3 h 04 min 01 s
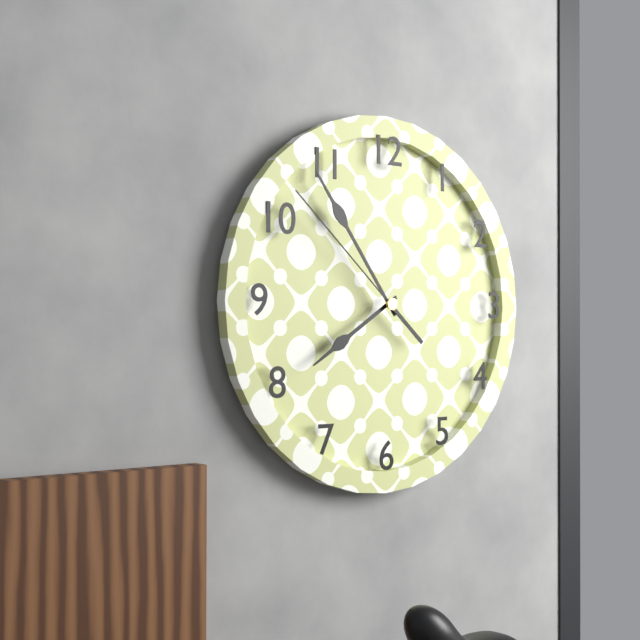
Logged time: 7 h 54 min 52 s
